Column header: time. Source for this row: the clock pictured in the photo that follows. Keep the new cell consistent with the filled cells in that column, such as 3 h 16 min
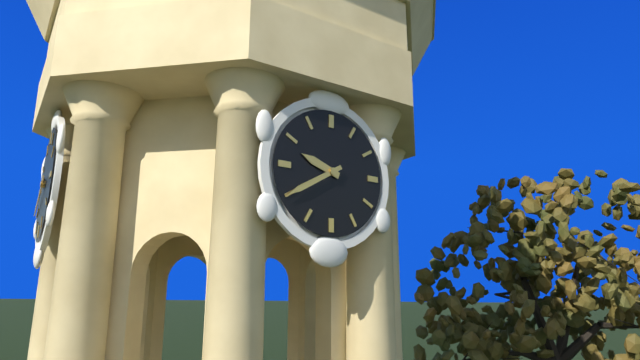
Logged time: 9 h 40 min
